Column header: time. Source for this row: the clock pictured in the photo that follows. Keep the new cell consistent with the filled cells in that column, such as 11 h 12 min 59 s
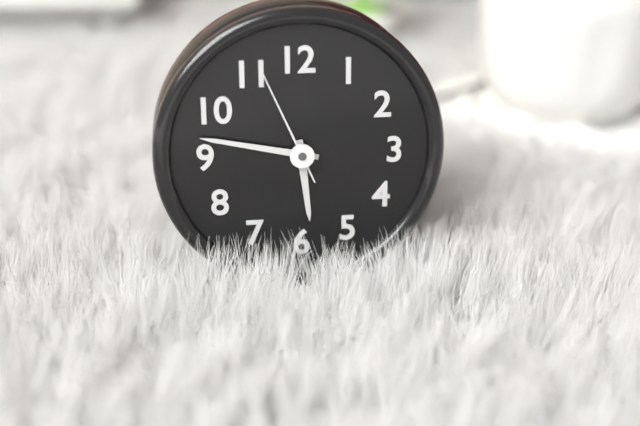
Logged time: 5 h 47 min 56 s
